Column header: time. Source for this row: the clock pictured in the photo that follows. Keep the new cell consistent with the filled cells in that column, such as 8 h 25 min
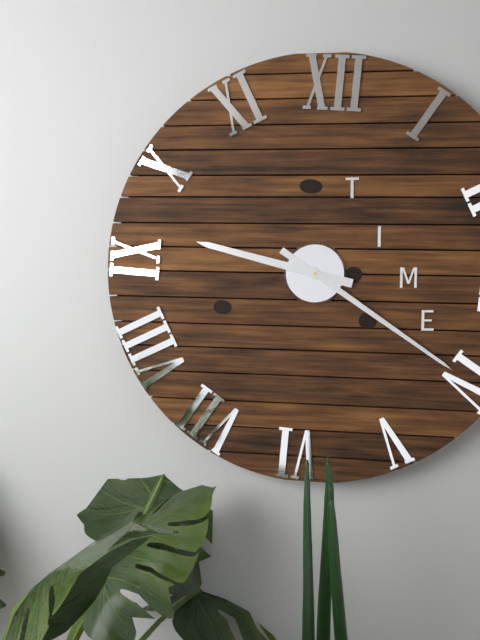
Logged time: 9 h 20 min
